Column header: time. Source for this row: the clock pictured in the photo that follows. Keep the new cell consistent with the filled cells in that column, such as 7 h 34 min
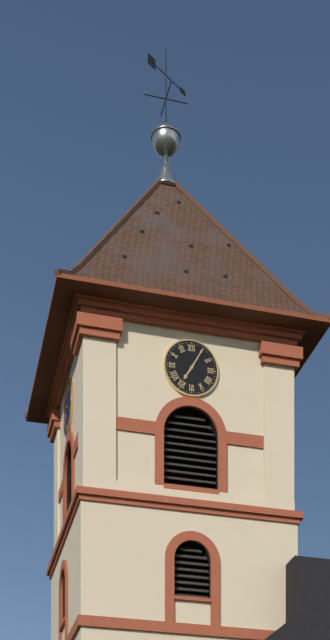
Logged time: 7 h 05 min
